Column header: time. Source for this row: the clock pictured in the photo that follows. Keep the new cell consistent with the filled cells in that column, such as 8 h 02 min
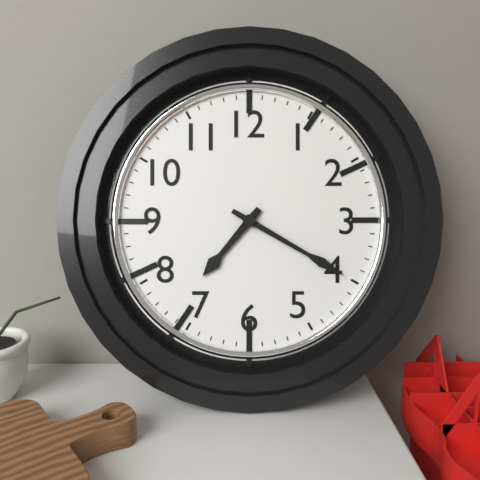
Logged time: 7 h 20 min
